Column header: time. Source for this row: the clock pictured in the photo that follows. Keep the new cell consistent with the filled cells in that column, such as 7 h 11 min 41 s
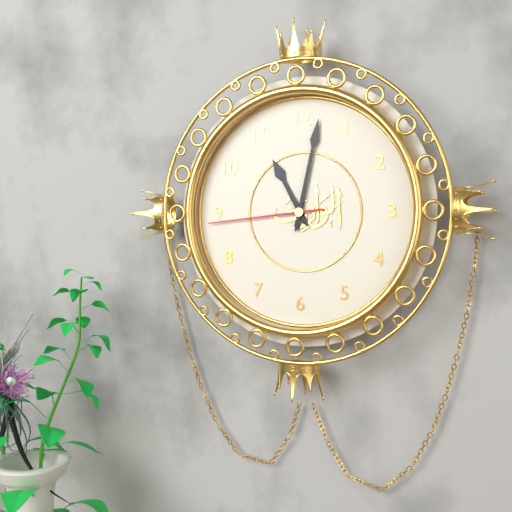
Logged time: 11 h 02 min 44 s
